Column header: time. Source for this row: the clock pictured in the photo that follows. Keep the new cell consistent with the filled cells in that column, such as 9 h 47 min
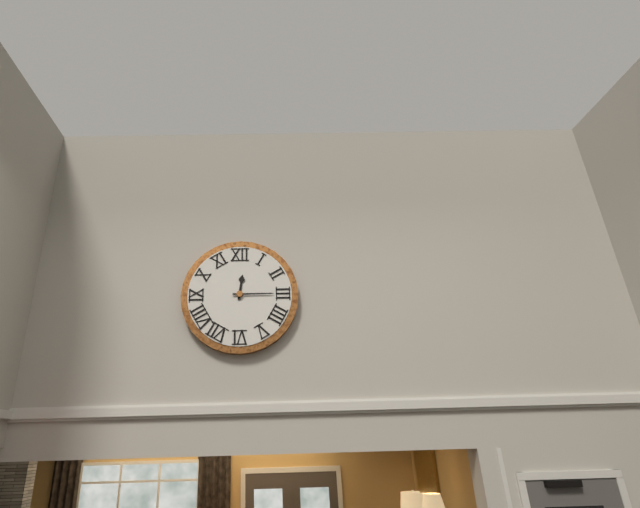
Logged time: 12 h 15 min
